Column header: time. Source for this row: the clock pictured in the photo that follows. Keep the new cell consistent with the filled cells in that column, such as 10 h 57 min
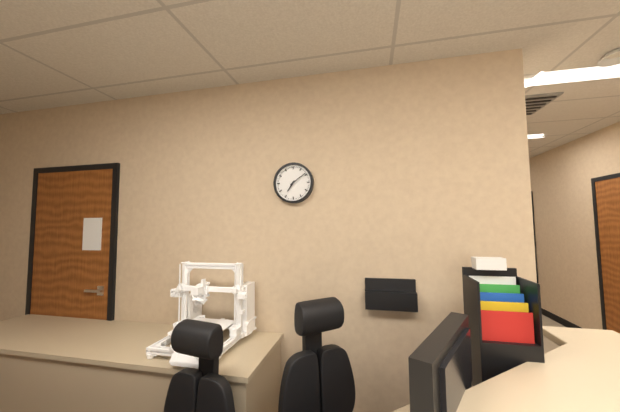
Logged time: 7 h 09 min
